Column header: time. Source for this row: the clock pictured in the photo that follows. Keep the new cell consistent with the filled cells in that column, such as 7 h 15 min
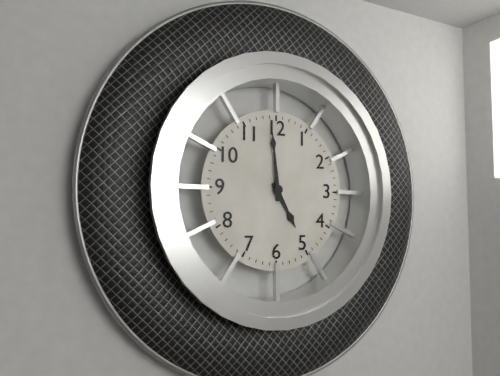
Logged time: 4 h 59 min
